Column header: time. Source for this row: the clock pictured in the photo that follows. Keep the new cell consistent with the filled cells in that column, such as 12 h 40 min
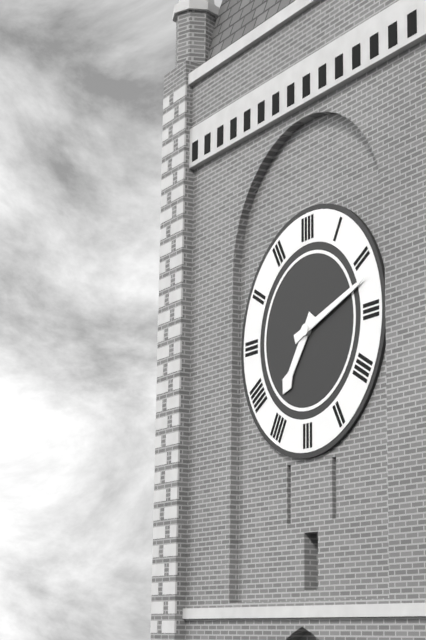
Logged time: 7 h 12 min
